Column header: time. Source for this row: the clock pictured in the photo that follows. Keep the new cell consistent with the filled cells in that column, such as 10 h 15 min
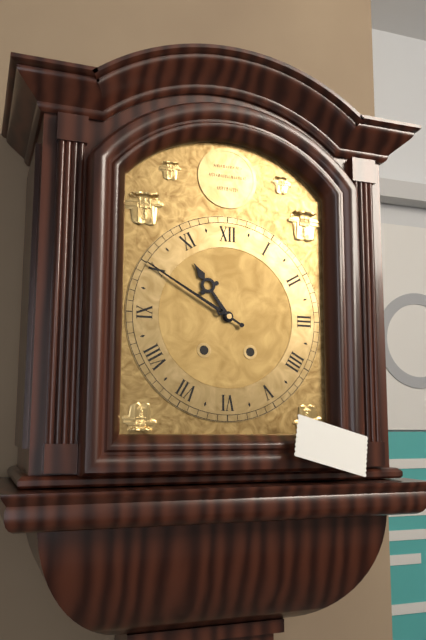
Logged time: 10 h 50 min
